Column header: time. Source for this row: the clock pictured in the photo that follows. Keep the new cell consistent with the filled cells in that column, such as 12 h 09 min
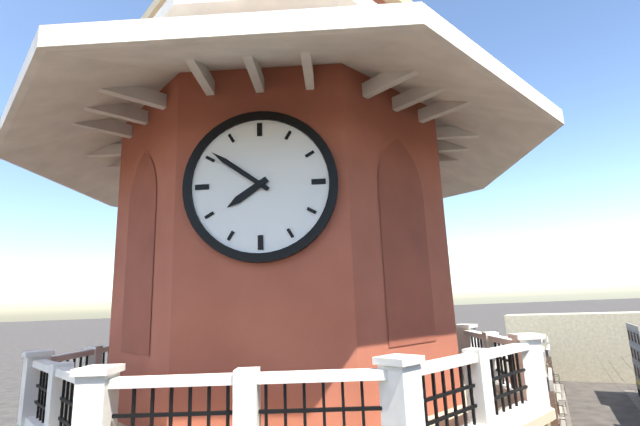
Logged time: 7 h 51 min
